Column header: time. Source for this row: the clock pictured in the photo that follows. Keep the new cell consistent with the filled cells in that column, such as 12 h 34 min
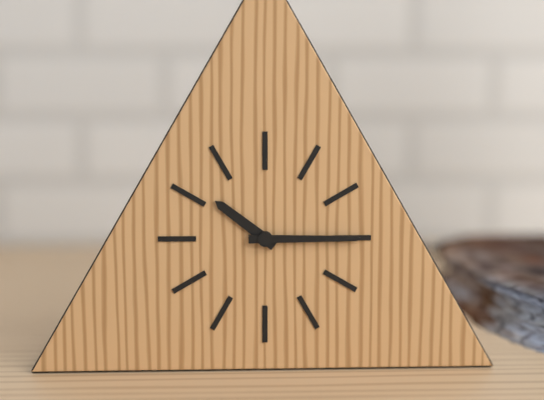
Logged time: 10 h 15 min
